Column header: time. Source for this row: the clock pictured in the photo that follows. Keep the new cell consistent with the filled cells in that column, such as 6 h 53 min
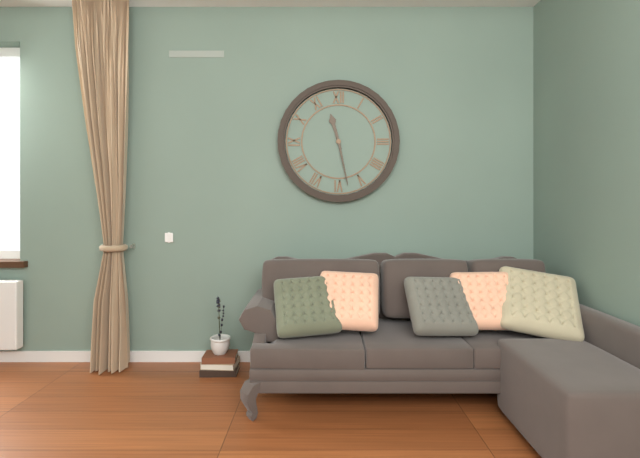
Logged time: 11 h 28 min
